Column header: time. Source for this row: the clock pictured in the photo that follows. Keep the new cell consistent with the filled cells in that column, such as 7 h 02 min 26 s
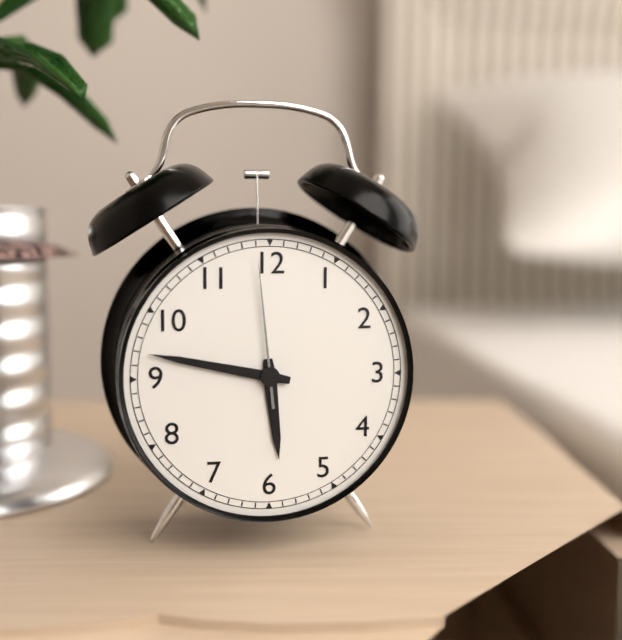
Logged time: 5 h 47 min 59 s
